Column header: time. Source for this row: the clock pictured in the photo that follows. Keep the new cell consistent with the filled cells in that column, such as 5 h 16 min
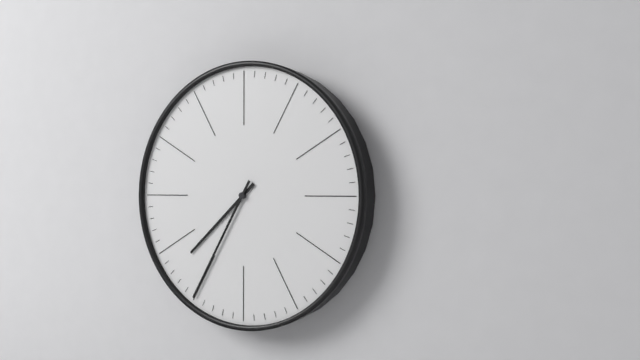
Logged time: 7 h 35 min
